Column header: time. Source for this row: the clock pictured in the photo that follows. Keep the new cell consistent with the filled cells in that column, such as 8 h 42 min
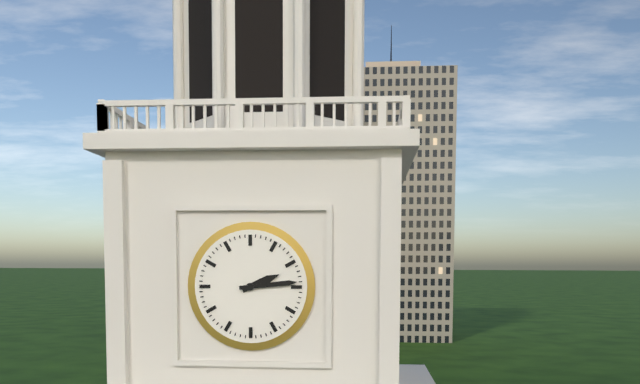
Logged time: 2 h 14 min
